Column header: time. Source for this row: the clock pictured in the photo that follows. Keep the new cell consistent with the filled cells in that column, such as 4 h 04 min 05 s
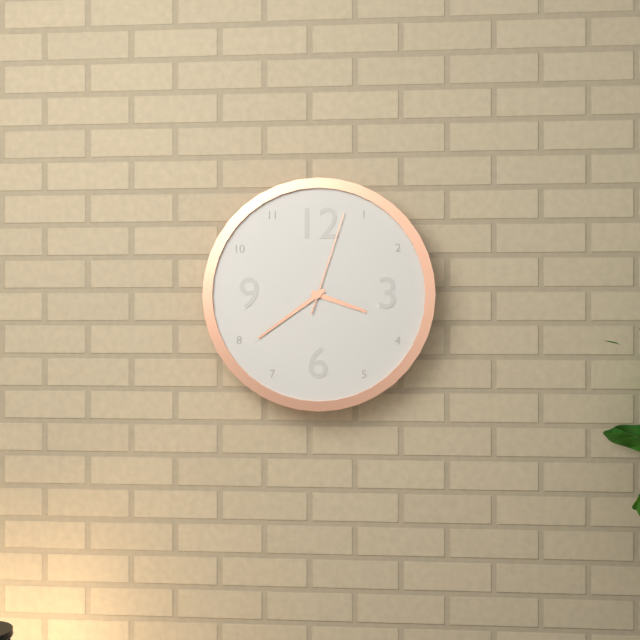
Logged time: 3 h 39 min 03 s
